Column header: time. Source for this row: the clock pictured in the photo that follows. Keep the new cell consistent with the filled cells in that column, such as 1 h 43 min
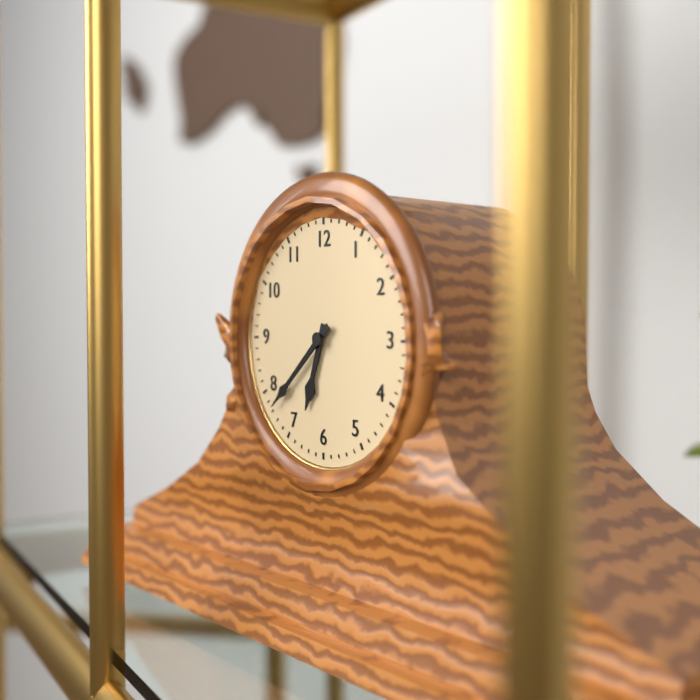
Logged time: 6 h 38 min
